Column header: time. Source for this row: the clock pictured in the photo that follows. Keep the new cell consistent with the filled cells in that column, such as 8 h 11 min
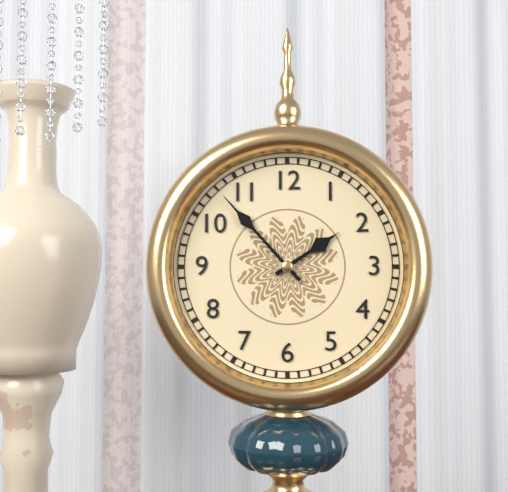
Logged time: 1 h 53 min
